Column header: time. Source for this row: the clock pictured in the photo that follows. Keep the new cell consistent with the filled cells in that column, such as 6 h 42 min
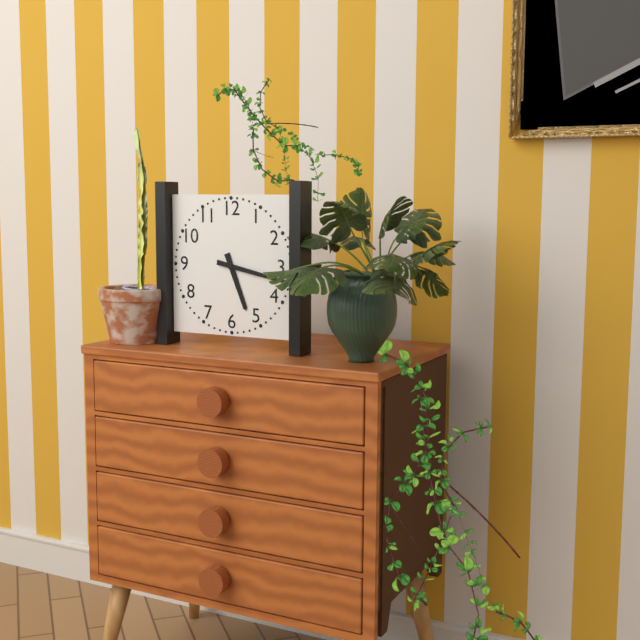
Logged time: 5 h 17 min
